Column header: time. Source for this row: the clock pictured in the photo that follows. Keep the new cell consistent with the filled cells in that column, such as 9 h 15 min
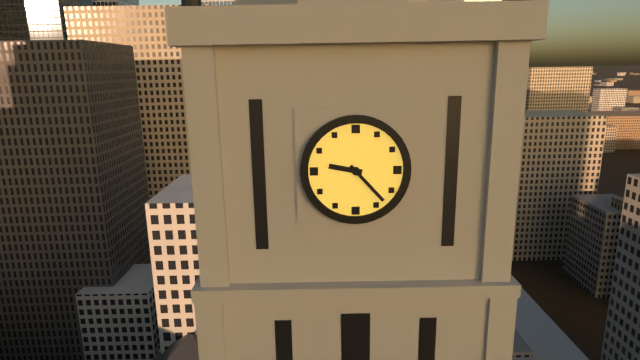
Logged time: 9 h 23 min
